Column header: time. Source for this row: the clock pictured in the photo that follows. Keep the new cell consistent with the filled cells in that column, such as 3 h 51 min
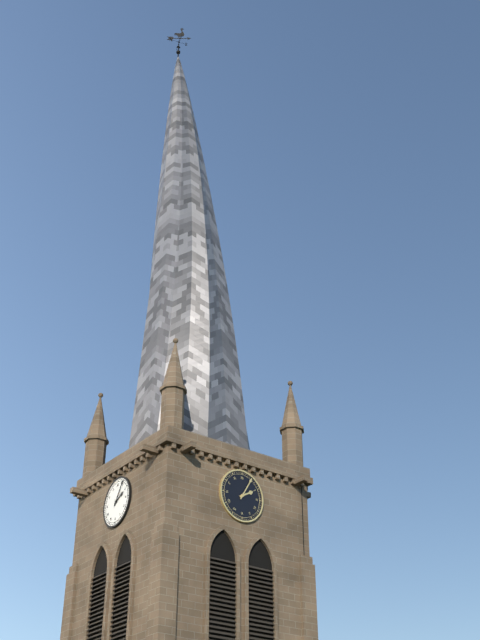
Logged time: 2 h 05 min
